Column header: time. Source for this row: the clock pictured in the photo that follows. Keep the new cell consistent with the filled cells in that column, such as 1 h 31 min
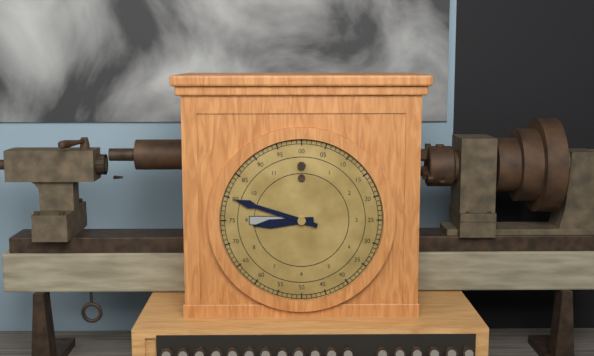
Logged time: 8 h 48 min
